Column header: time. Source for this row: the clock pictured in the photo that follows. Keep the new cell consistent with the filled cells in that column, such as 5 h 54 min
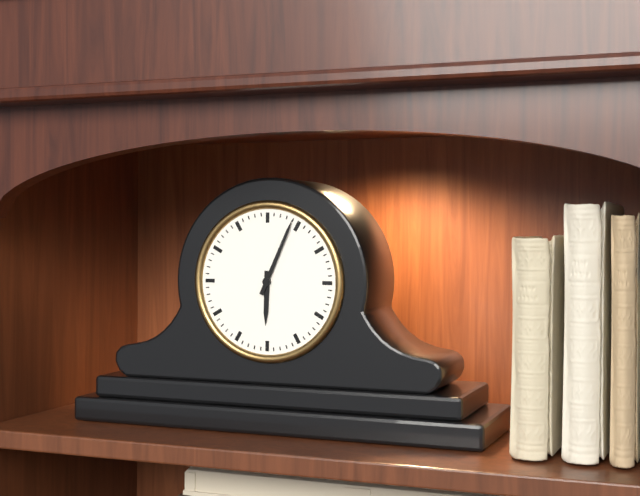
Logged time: 6 h 04 min
